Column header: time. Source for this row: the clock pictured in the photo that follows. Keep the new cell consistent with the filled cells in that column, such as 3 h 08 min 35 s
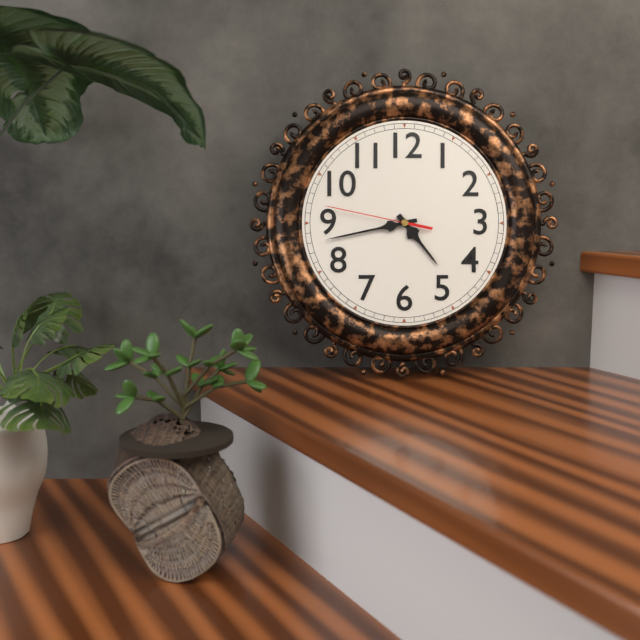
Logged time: 4 h 43 min 47 s
